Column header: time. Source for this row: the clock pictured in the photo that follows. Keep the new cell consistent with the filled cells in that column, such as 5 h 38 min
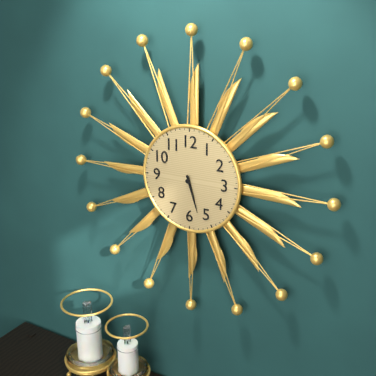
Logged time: 5 h 27 min
